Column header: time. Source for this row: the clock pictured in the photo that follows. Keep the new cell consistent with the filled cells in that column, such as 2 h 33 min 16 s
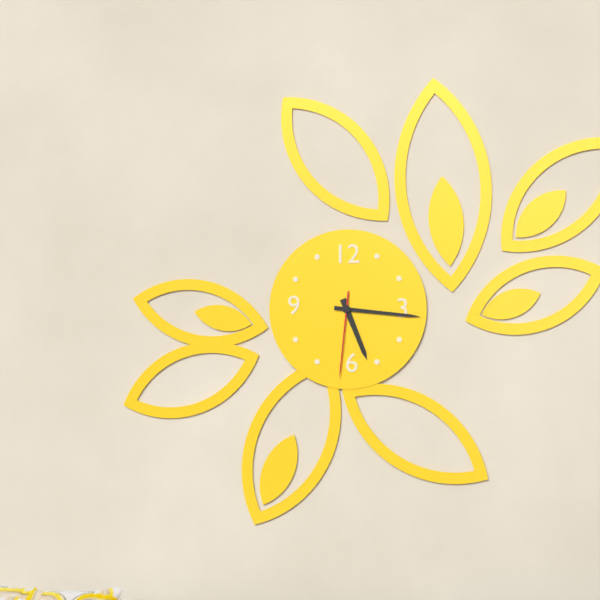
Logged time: 5 h 16 min 31 s
